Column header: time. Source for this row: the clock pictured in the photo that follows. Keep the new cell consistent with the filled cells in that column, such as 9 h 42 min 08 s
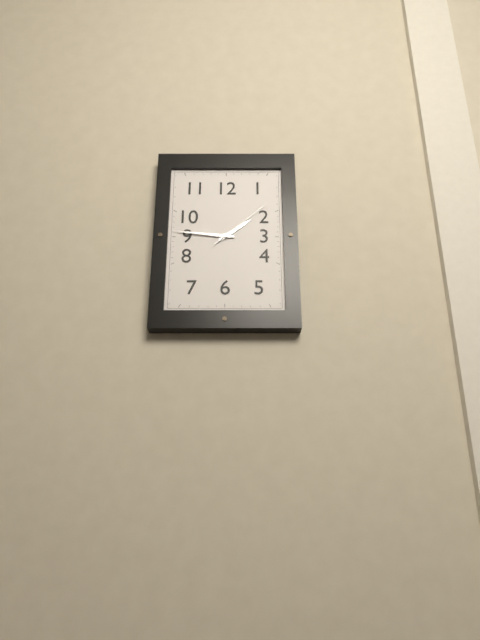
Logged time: 1 h 46 min 08 s
